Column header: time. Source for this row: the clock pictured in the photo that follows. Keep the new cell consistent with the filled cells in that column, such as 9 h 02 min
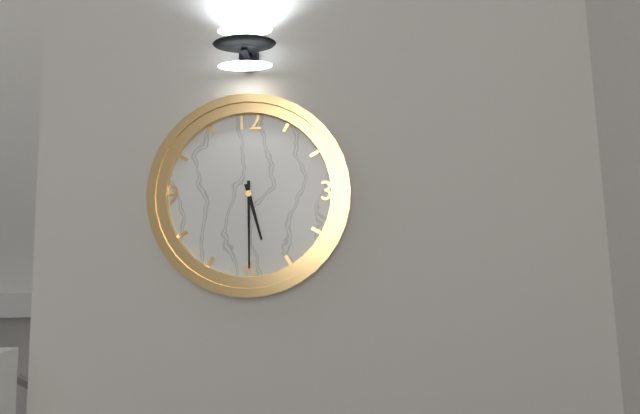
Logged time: 5 h 30 min
